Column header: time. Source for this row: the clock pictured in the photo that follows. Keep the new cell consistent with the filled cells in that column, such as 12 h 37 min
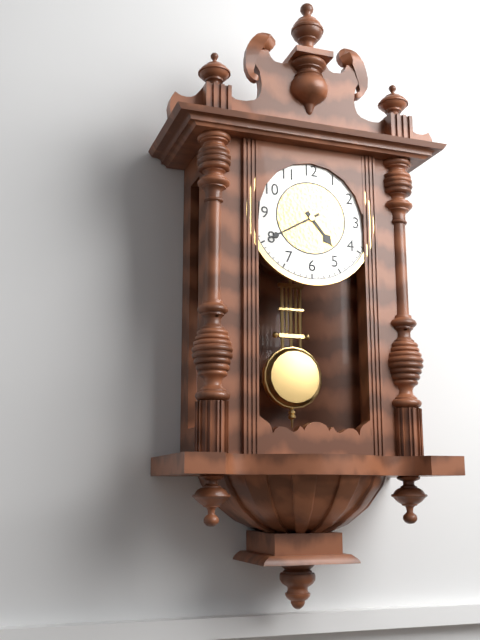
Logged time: 4 h 40 min
